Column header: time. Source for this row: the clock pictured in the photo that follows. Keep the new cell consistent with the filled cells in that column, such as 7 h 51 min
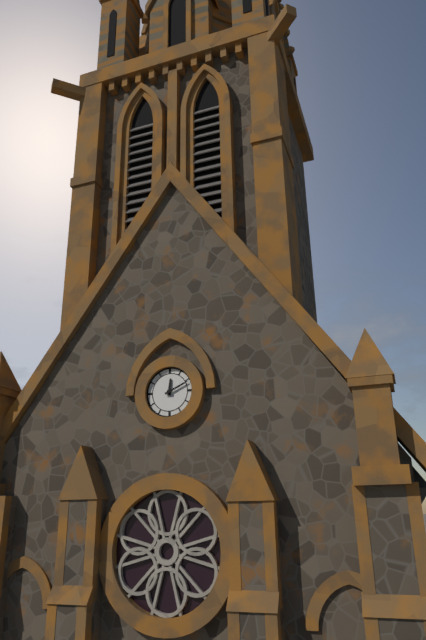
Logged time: 12 h 11 min
